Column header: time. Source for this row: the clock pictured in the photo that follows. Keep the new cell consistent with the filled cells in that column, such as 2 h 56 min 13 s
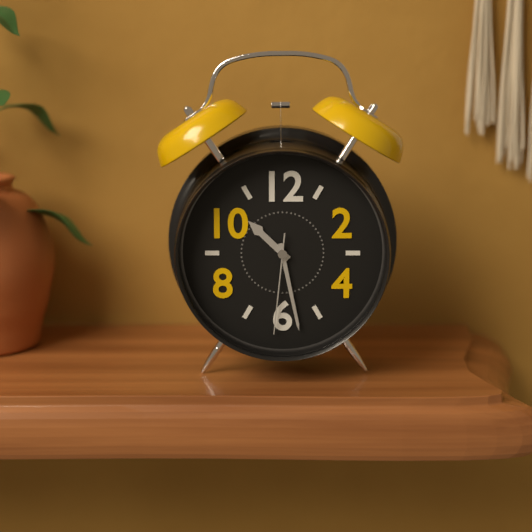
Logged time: 10 h 28 min 31 s
